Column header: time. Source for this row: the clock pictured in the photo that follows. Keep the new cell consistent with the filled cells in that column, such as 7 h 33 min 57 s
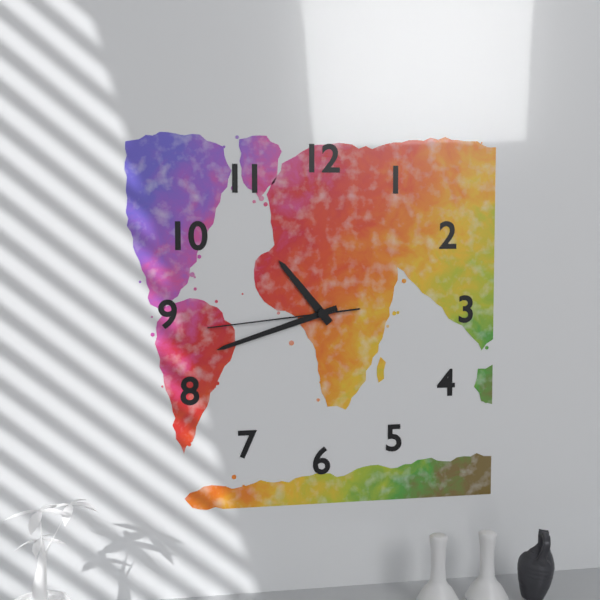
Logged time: 10 h 42 min 44 s
